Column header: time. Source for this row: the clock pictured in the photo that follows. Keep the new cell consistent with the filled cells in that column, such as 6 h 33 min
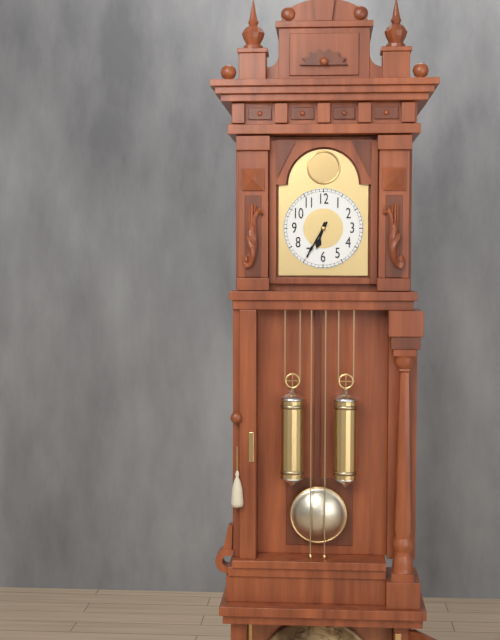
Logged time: 6 h 35 min
